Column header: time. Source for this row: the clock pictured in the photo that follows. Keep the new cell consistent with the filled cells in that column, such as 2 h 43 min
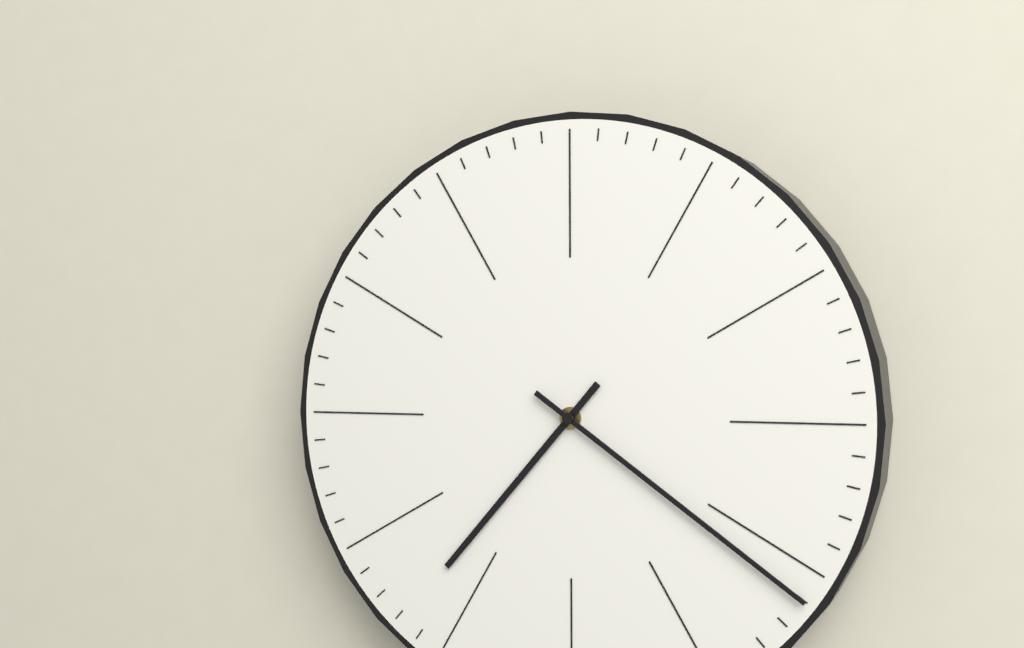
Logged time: 7 h 21 min
